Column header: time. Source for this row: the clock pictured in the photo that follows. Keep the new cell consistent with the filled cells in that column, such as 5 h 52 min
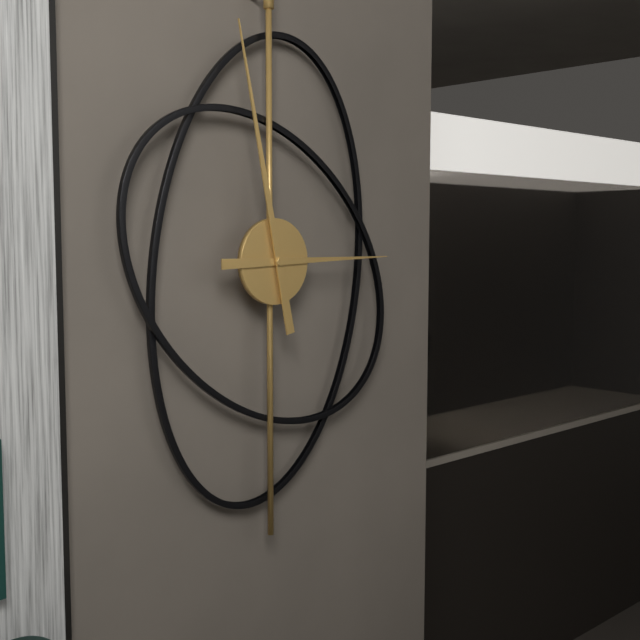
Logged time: 2 h 58 min
